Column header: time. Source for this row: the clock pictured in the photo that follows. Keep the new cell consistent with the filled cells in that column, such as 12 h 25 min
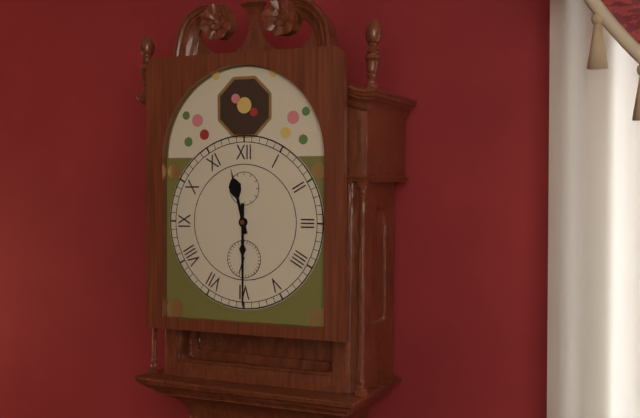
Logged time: 11 h 30 min
